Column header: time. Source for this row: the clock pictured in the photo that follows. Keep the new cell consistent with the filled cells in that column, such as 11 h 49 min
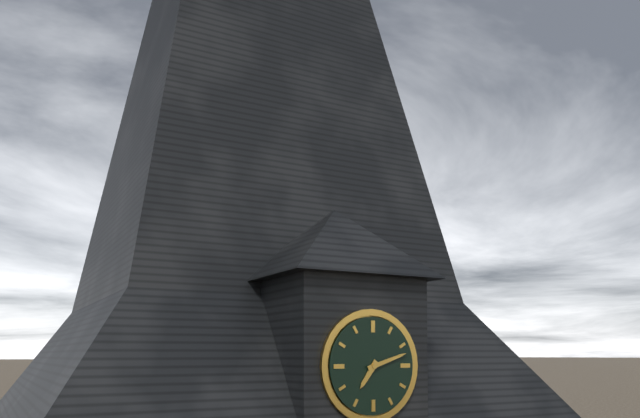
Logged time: 7 h 12 min
